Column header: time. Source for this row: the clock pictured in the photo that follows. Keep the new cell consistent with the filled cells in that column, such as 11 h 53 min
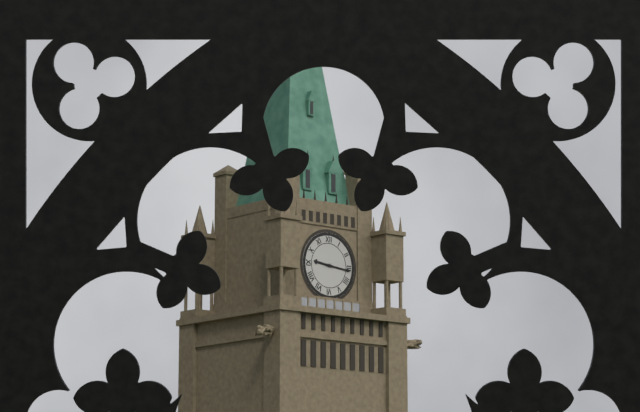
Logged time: 9 h 16 min
